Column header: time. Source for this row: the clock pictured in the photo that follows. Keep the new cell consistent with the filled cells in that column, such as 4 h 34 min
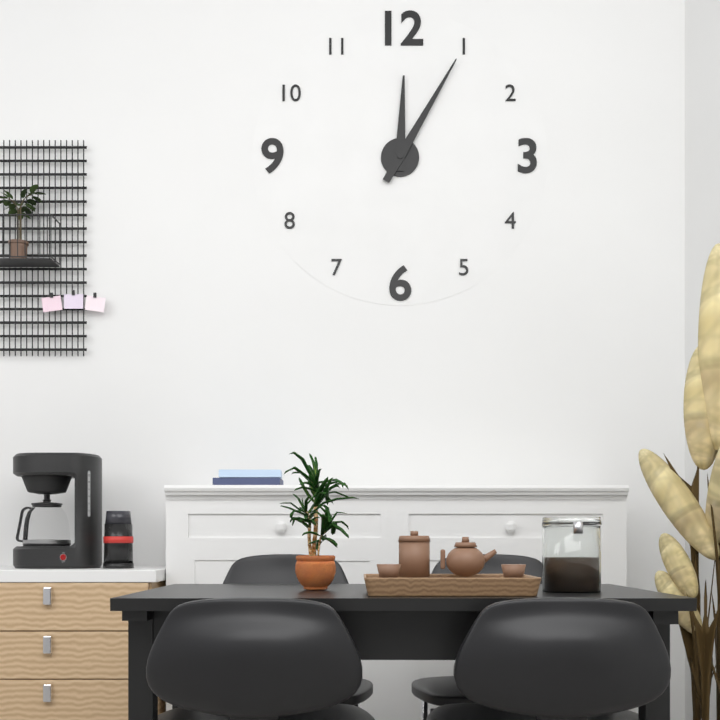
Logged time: 12 h 05 min
